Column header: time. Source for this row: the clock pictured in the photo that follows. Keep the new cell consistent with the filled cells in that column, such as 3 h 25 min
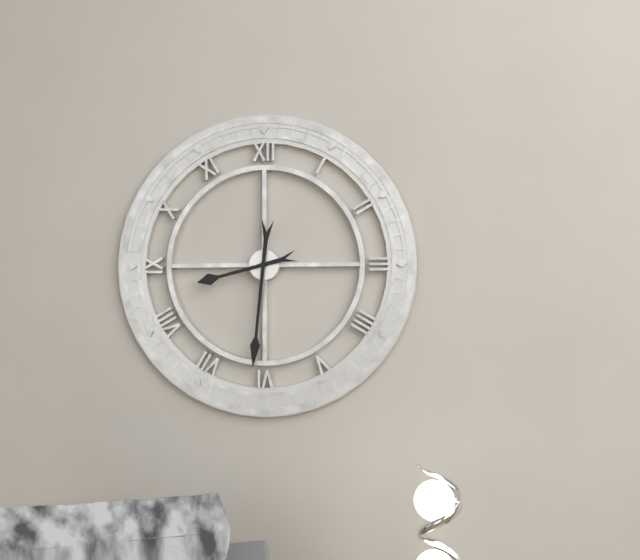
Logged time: 8 h 31 min
